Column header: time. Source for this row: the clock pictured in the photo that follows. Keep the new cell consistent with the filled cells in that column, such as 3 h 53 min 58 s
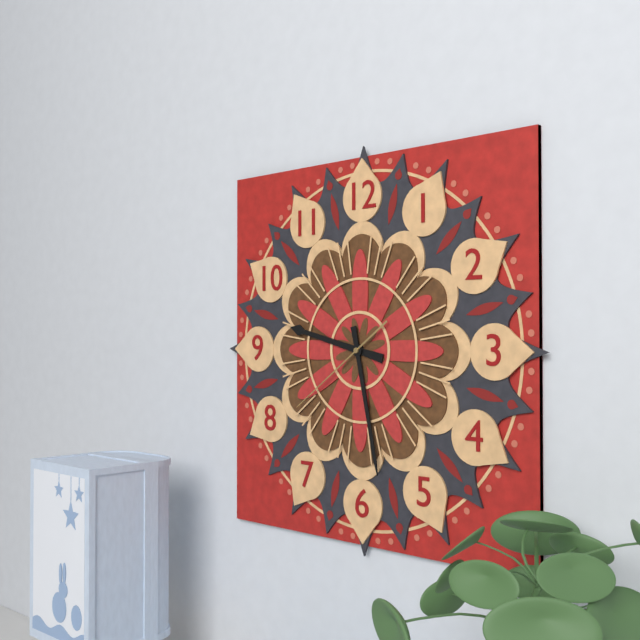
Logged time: 9 h 28 min 39 s
